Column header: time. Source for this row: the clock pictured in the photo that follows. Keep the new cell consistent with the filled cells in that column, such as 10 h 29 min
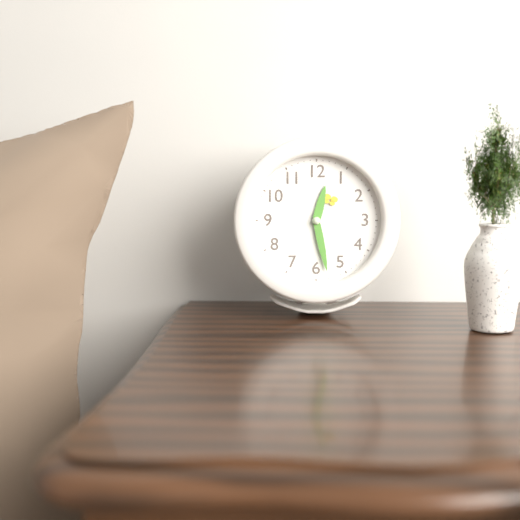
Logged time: 12 h 28 min
